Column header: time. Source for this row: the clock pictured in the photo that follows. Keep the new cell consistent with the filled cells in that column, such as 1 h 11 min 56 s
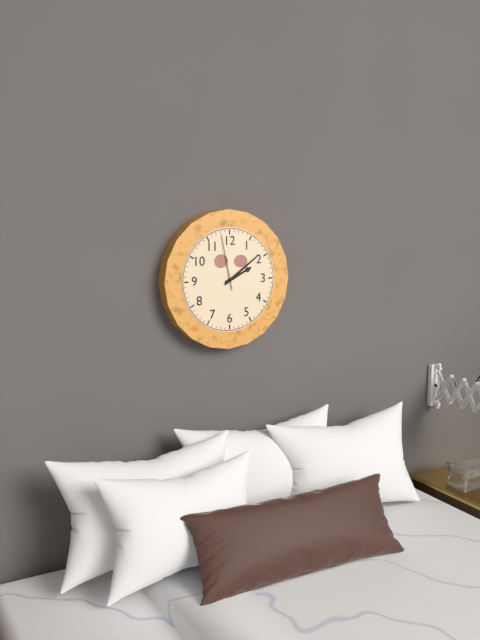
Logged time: 2 h 09 min 58 s
